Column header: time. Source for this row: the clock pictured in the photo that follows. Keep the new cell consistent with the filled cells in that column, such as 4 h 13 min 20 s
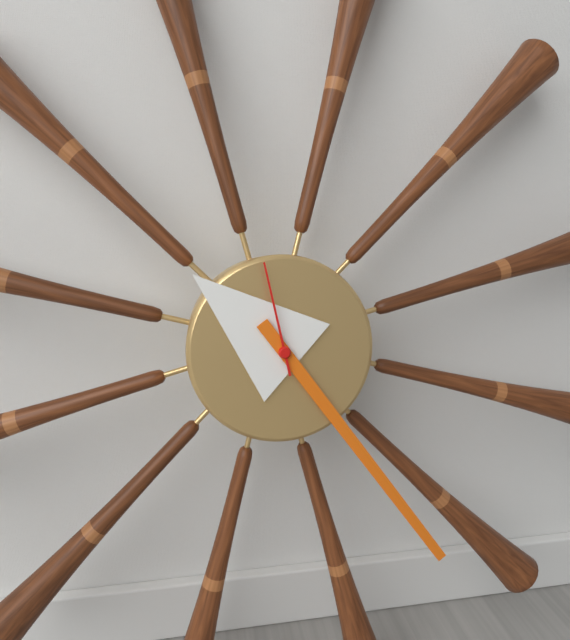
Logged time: 10 h 24 min 58 s
